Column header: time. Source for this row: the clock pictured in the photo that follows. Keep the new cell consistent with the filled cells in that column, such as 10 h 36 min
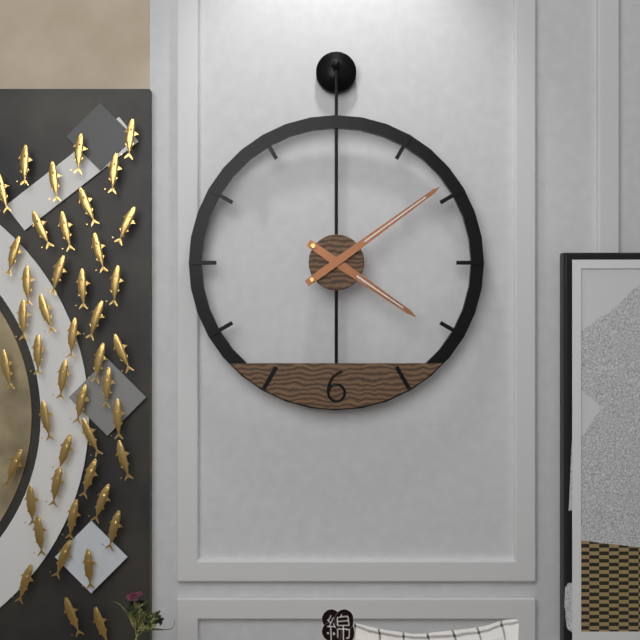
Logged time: 4 h 09 min
